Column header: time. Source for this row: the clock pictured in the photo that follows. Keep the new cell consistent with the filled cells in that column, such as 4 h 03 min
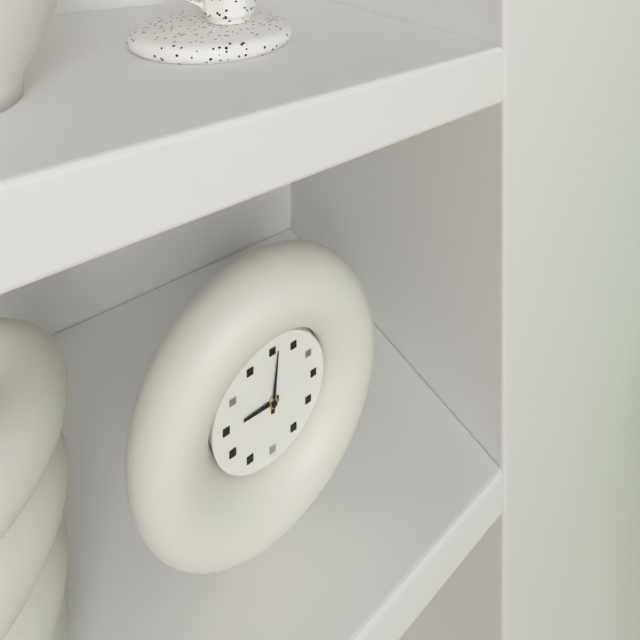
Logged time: 9 h 01 min
